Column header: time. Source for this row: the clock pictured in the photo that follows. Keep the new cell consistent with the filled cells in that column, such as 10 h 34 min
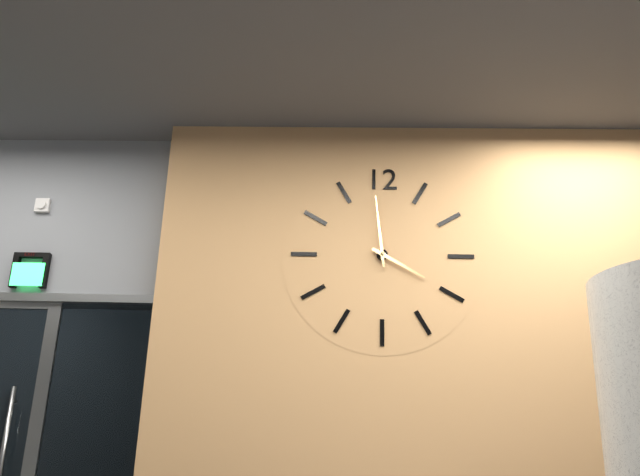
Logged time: 3 h 59 min
